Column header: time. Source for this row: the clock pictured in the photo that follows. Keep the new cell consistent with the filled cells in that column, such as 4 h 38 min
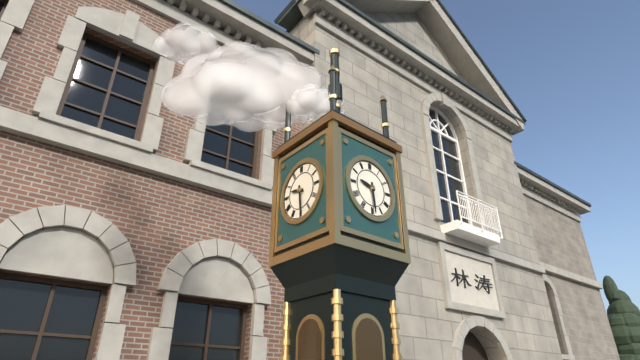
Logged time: 9 h 29 min
